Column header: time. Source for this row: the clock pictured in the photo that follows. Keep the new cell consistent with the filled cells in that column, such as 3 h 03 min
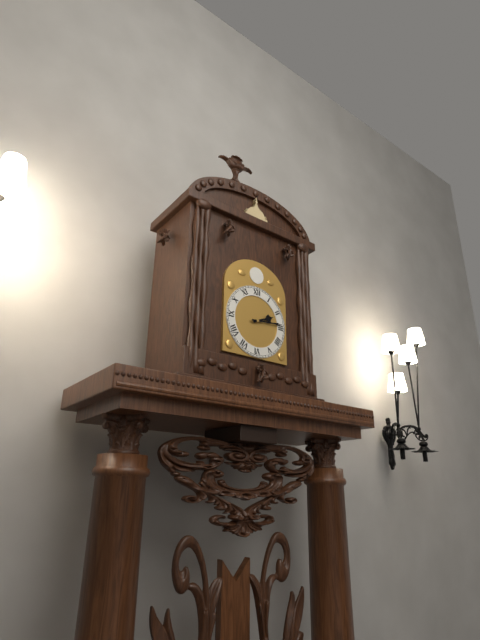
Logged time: 2 h 14 min
